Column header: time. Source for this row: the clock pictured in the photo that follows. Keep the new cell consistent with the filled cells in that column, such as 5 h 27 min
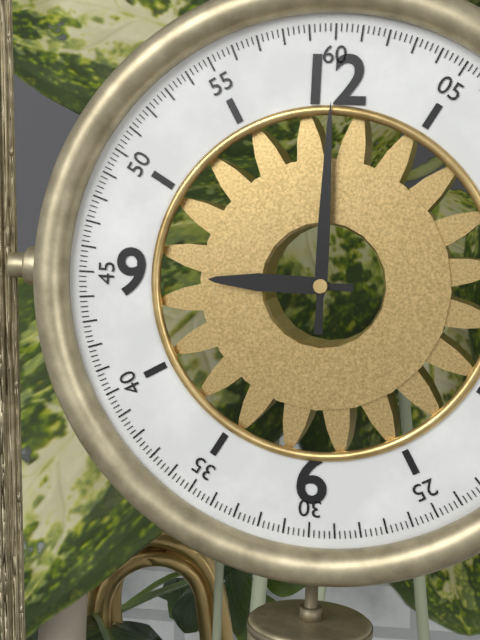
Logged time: 9 h 00 min
